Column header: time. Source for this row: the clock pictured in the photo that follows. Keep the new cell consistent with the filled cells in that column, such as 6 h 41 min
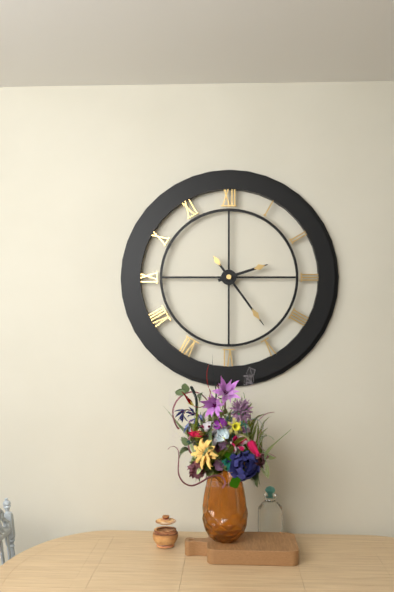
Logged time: 2 h 24 min
